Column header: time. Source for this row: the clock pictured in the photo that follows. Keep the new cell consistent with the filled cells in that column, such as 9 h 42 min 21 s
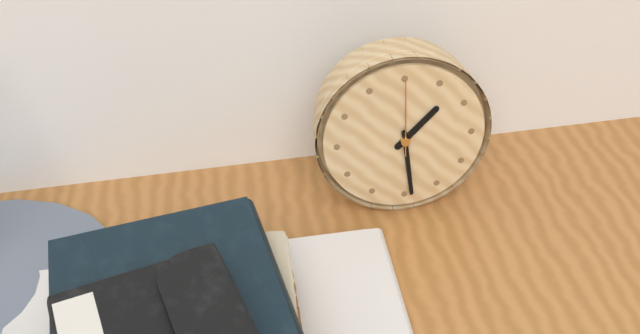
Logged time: 1 h 29 min 00 s
